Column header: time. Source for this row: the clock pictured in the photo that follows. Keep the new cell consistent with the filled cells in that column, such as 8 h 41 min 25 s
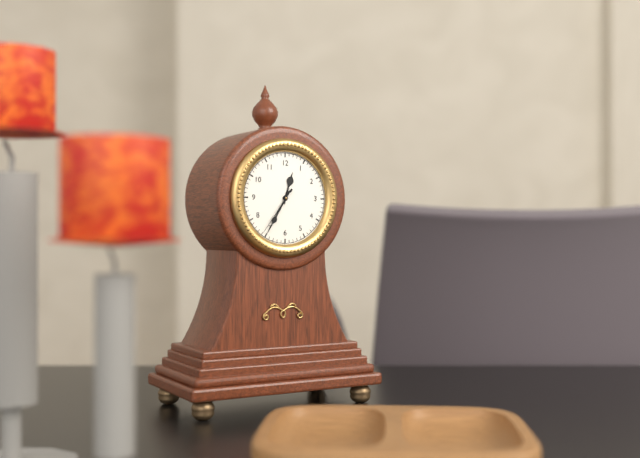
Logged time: 12 h 35 min 36 s
